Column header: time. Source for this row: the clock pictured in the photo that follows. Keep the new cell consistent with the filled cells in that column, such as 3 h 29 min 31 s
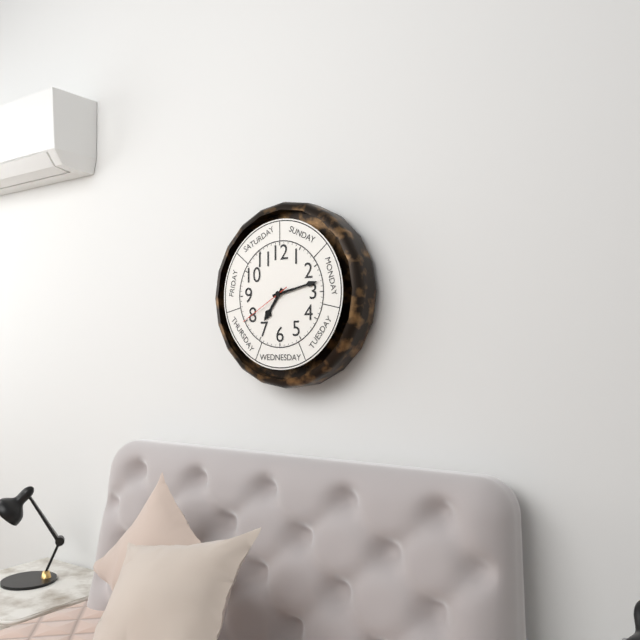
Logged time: 7 h 13 min 40 s
